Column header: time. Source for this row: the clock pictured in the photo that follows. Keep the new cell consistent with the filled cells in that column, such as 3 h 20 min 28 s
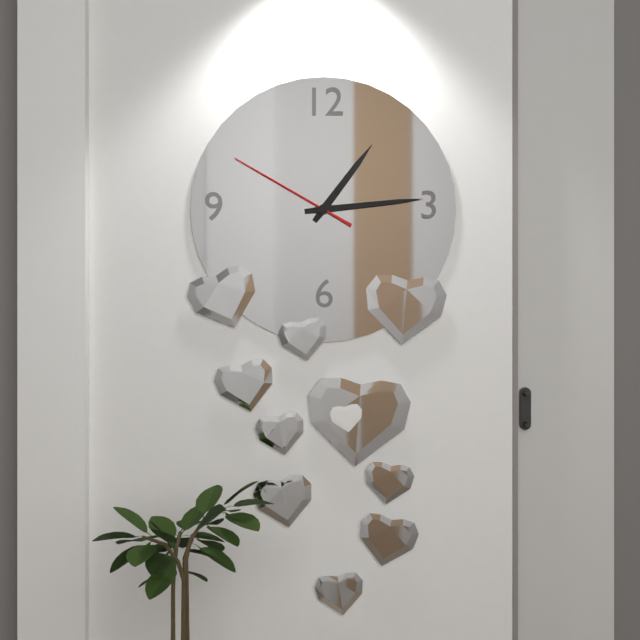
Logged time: 1 h 14 min 50 s
